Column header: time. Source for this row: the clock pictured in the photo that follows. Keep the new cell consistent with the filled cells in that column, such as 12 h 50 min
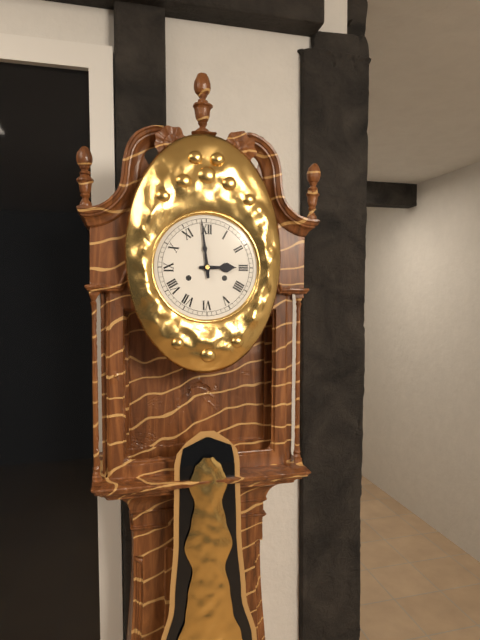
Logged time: 2 h 59 min
